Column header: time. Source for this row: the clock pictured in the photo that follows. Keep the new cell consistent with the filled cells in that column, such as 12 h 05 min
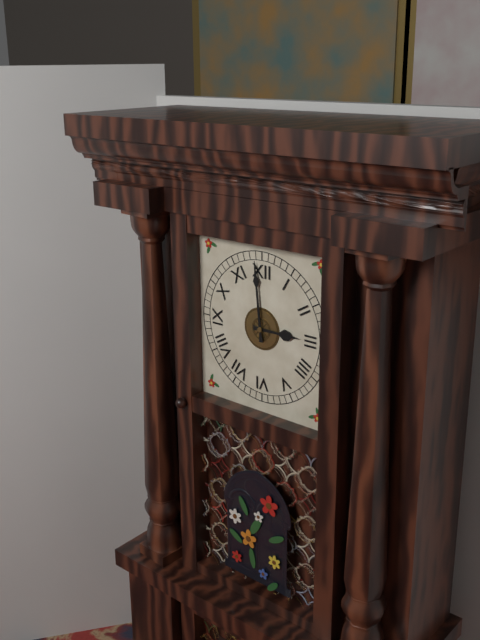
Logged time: 2 h 59 min
